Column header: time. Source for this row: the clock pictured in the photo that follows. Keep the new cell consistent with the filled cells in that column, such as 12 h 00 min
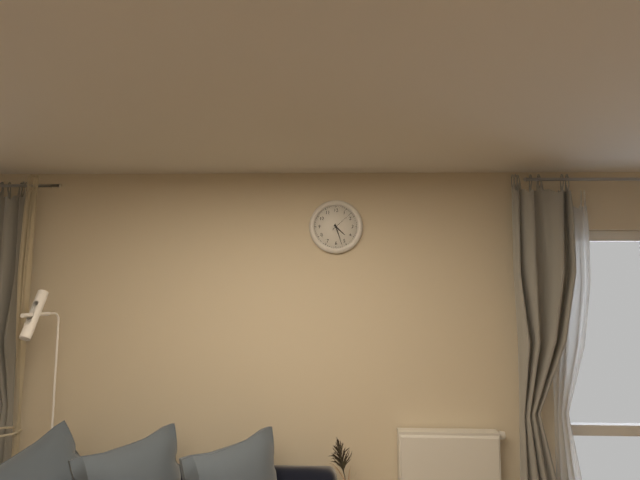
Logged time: 4 h 27 min
